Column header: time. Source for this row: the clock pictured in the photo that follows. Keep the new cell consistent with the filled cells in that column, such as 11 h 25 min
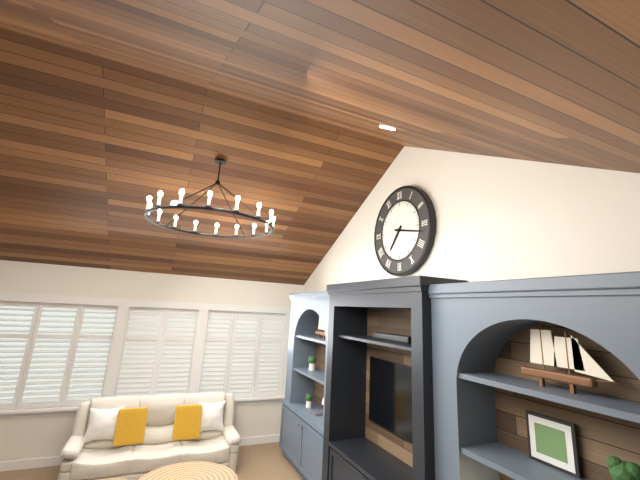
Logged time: 7 h 17 min
